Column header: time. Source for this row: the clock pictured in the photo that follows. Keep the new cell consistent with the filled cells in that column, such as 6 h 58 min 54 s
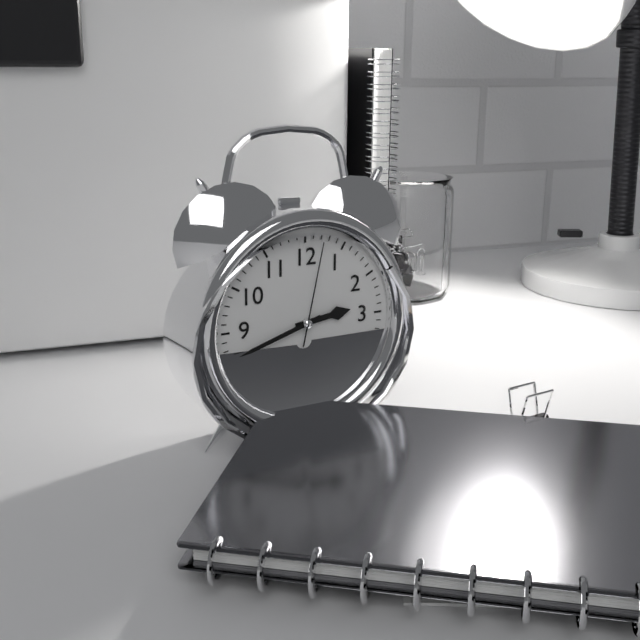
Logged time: 2 h 42 min 02 s
